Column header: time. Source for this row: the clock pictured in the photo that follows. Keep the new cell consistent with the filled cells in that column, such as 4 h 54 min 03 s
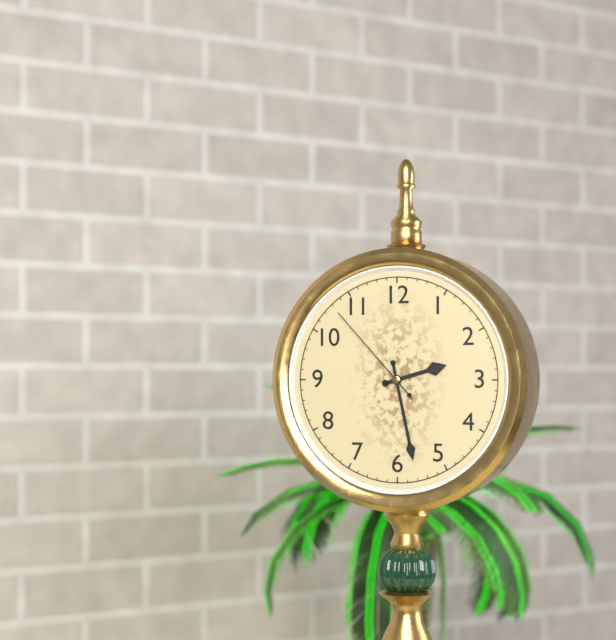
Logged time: 2 h 28 min 53 s
